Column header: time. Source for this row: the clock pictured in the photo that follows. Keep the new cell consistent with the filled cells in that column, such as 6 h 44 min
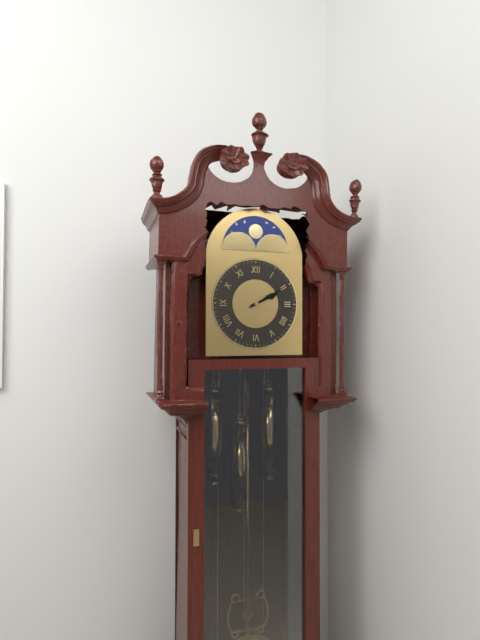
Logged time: 2 h 10 min
